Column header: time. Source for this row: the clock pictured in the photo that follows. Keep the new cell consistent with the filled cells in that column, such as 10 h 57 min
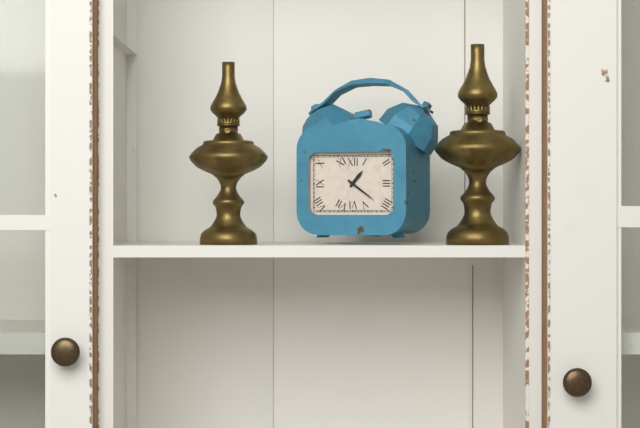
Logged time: 1 h 21 min
